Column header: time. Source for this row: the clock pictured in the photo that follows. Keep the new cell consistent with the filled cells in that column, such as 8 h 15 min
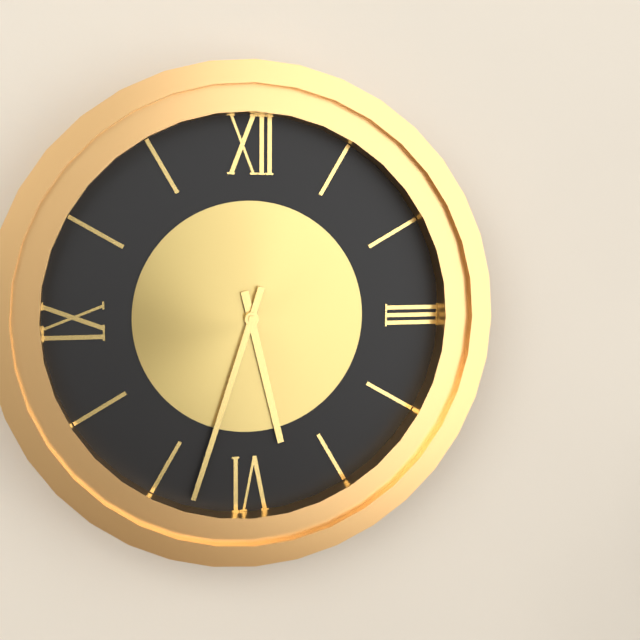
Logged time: 5 h 33 min
